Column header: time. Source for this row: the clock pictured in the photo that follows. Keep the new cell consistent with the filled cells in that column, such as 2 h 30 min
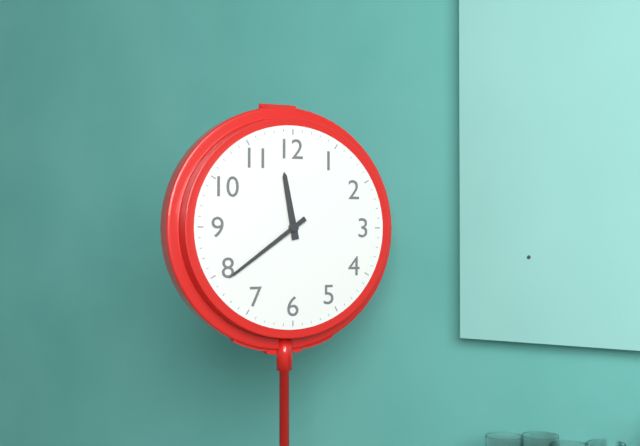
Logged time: 11 h 39 min
